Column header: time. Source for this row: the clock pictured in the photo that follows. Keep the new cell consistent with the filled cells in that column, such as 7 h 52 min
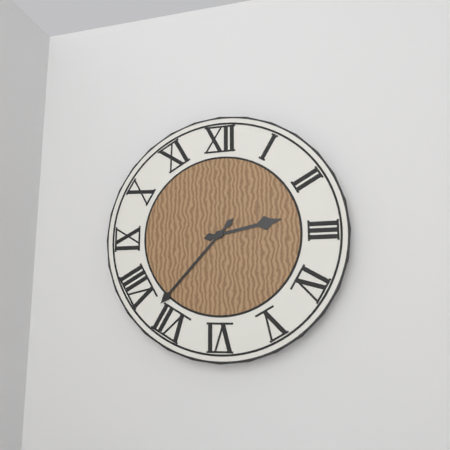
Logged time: 2 h 37 min
